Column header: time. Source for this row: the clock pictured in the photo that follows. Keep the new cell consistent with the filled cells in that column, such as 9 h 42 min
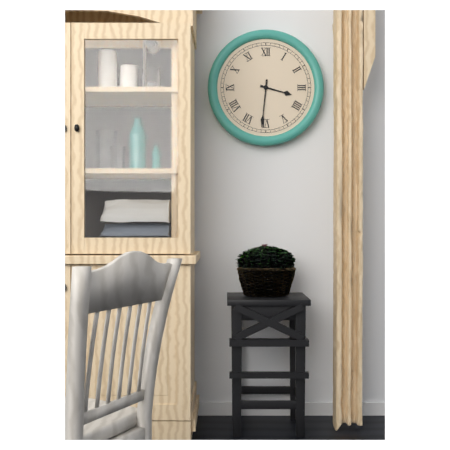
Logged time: 3 h 31 min
